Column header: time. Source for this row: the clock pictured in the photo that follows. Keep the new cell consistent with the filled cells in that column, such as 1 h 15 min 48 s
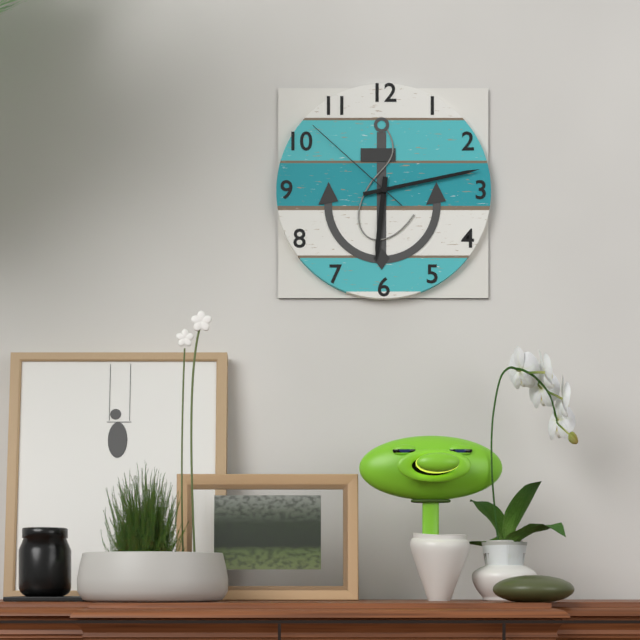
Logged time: 6 h 13 min 52 s
